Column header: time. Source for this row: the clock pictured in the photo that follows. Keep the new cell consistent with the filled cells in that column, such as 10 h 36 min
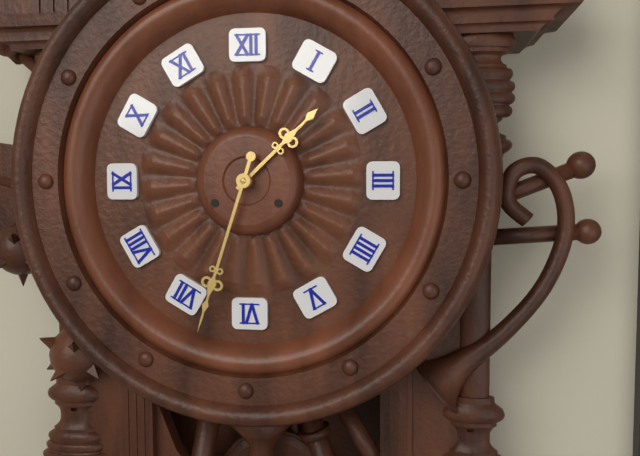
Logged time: 1 h 33 min
